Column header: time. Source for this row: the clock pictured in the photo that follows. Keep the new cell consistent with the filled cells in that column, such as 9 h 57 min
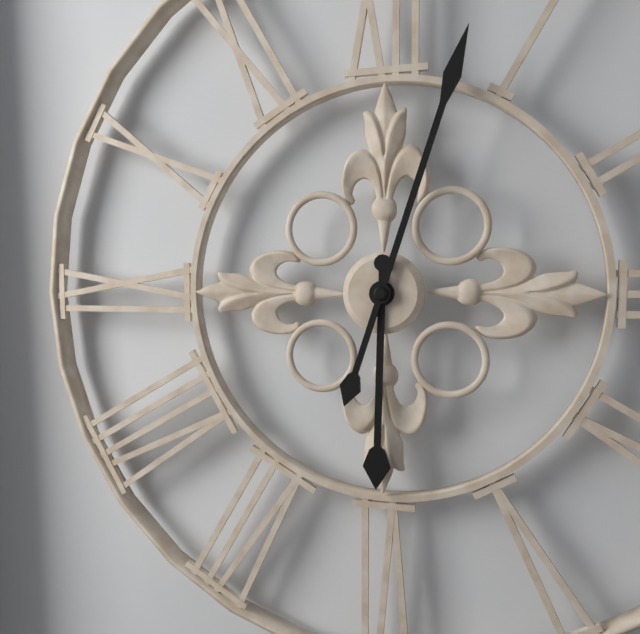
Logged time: 6 h 03 min
